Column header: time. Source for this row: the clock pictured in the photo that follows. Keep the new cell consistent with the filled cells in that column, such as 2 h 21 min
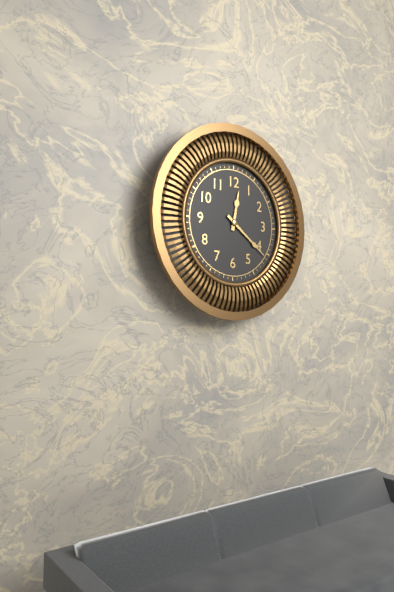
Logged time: 12 h 21 min
